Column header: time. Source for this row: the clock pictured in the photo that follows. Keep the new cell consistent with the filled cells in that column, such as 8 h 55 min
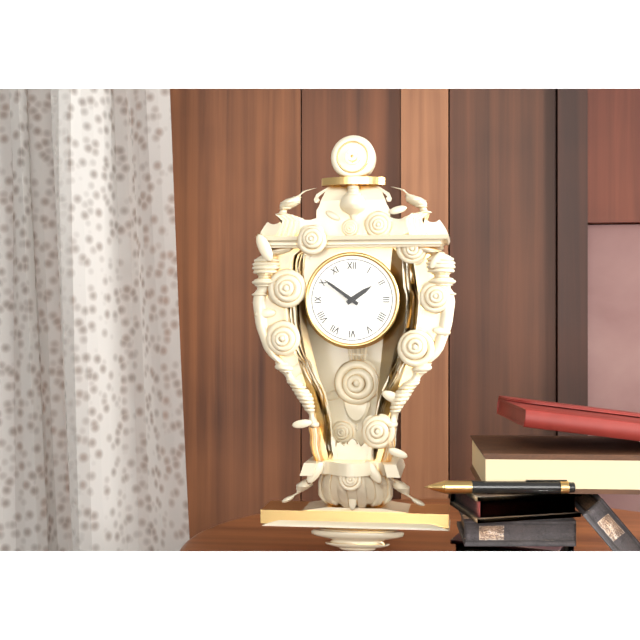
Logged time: 1 h 51 min
